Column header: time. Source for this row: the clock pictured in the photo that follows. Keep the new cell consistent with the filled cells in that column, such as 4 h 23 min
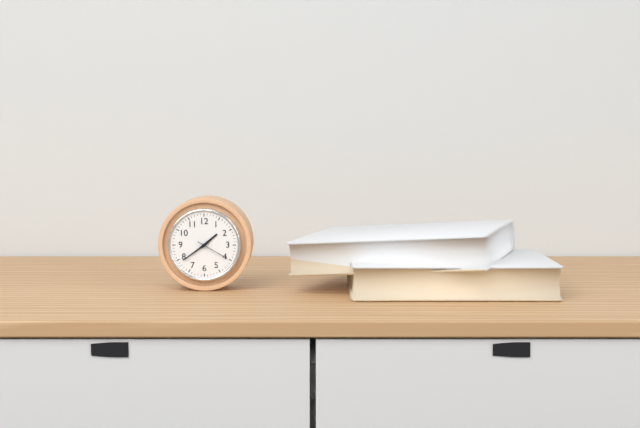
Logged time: 1 h 39 min
